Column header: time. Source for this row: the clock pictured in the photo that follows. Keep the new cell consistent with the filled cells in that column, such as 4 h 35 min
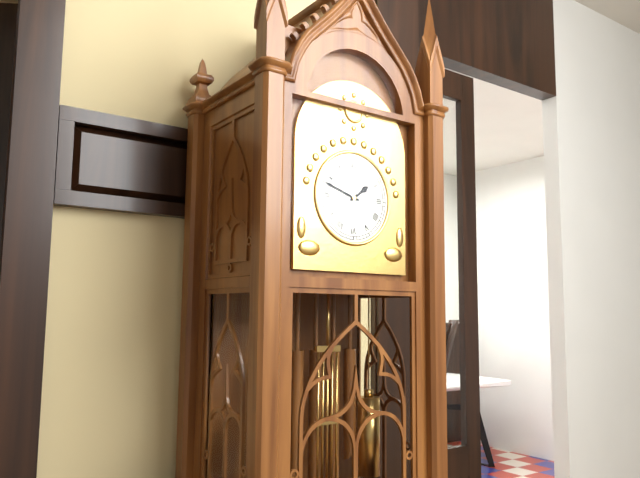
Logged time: 1 h 48 min
